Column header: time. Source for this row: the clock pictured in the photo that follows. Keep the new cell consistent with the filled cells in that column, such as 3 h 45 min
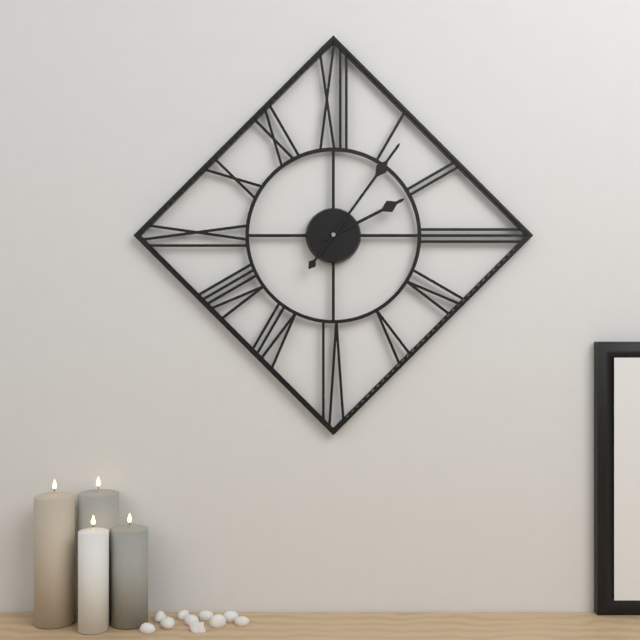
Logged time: 2 h 06 min
